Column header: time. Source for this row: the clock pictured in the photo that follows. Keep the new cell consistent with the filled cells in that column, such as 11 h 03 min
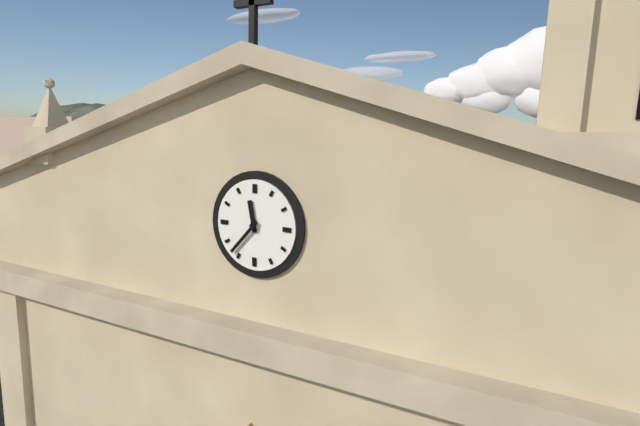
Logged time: 11 h 37 min
